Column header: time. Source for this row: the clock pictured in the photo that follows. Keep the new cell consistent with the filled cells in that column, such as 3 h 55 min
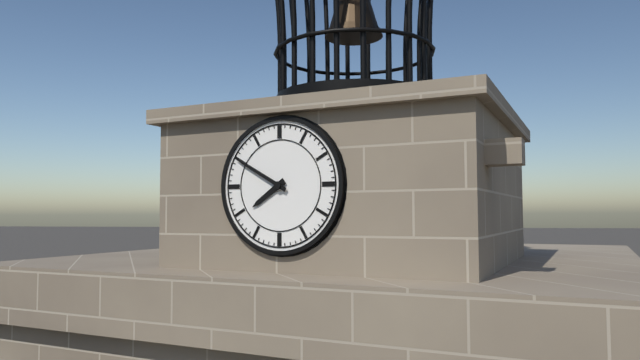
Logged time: 7 h 50 min
